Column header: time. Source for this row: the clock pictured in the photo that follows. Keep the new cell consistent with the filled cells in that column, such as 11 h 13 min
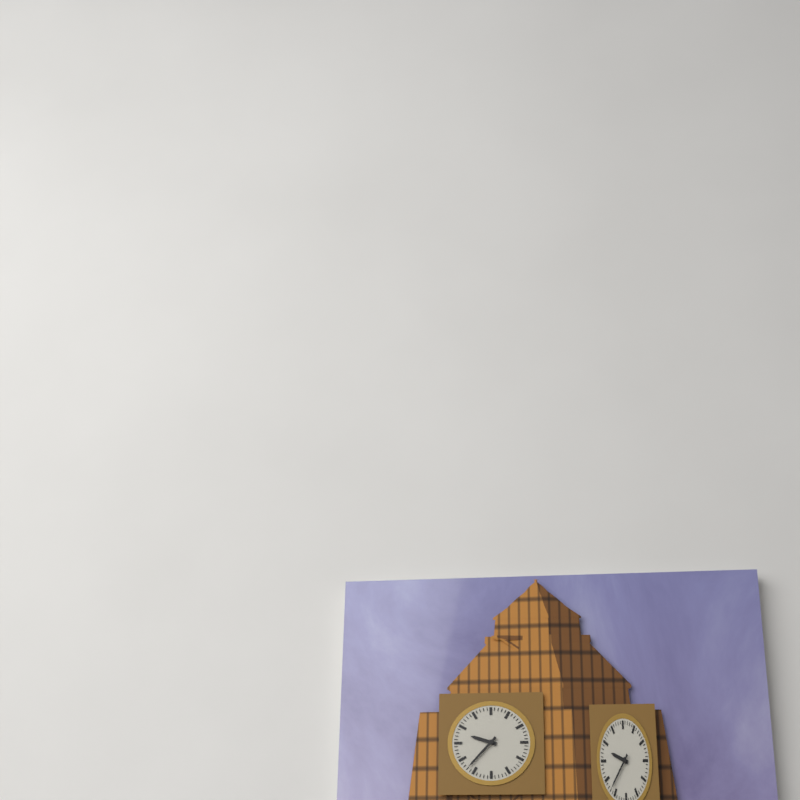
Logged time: 9 h 37 min
